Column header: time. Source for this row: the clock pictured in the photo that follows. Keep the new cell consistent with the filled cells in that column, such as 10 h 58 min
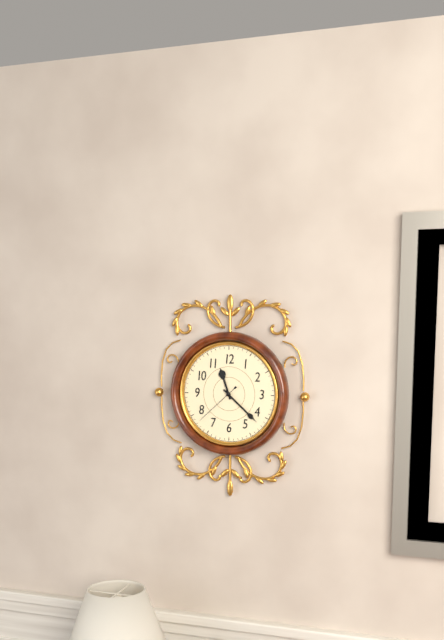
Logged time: 11 h 22 min
